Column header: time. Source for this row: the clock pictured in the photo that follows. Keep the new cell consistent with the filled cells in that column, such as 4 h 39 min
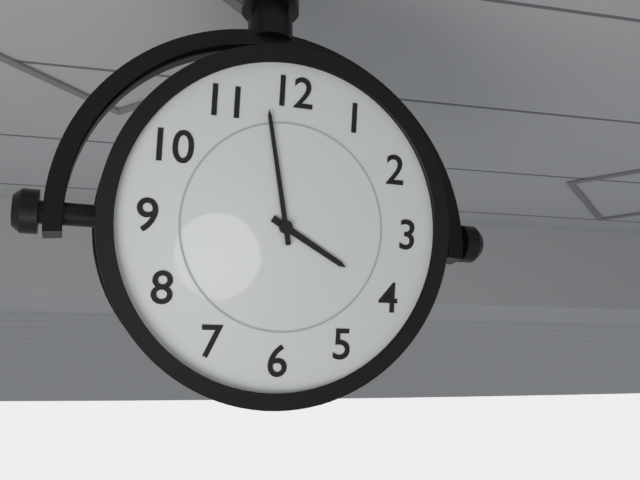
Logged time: 3 h 58 min
